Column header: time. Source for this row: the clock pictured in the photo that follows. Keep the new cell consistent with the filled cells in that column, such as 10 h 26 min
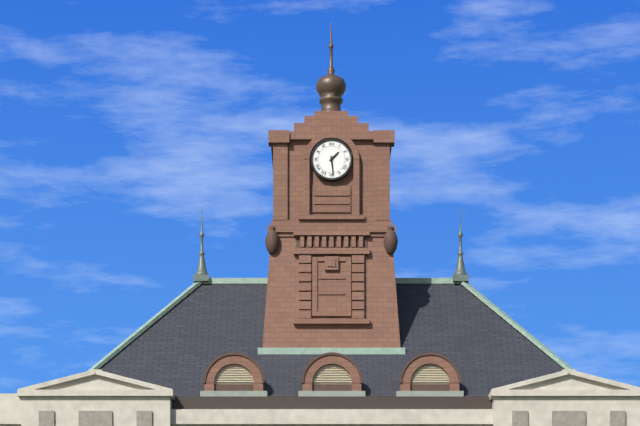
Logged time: 1 h 29 min
